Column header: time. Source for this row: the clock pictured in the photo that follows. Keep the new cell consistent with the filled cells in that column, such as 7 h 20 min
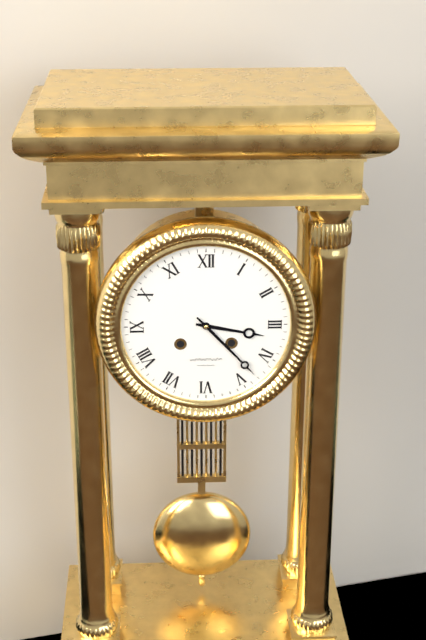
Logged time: 3 h 23 min
